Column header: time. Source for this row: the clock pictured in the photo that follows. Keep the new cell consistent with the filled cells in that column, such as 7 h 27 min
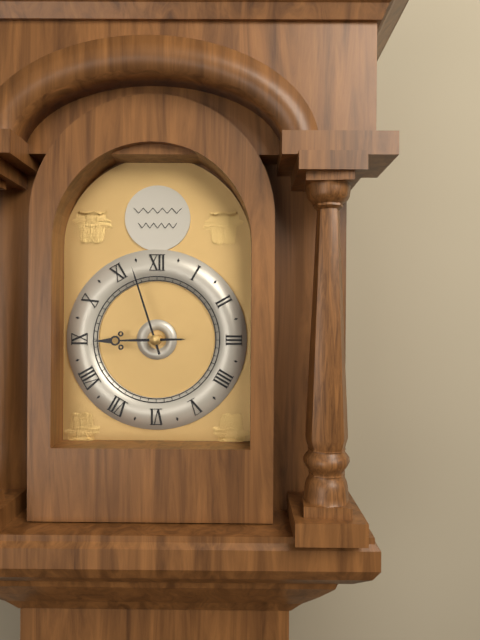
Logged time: 8 h 57 min
